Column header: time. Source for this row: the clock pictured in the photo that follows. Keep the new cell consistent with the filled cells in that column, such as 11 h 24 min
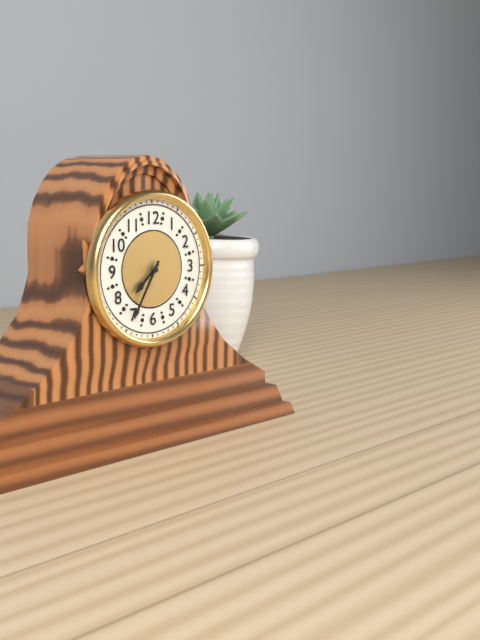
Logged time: 7 h 35 min
